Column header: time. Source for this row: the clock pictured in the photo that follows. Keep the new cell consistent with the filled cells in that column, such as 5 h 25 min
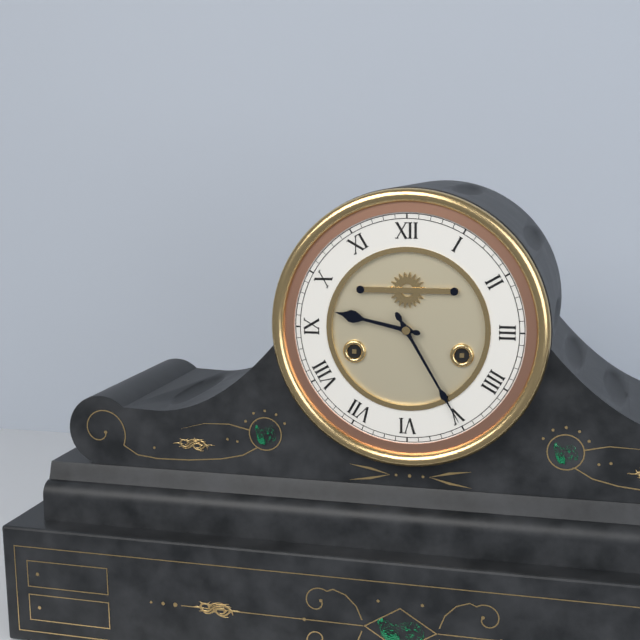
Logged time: 9 h 25 min
